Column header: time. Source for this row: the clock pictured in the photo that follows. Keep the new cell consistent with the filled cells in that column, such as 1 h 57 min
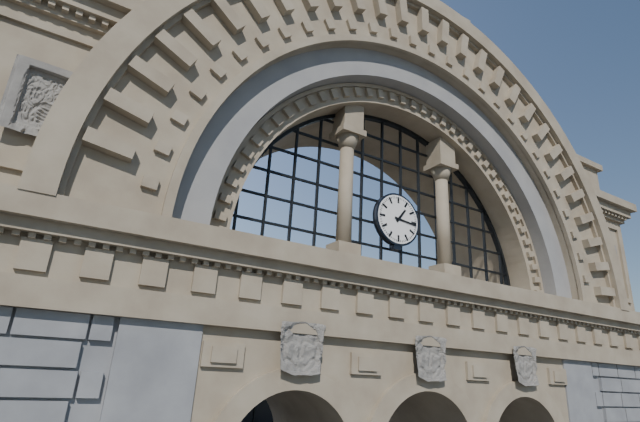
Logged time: 1 h 16 min
